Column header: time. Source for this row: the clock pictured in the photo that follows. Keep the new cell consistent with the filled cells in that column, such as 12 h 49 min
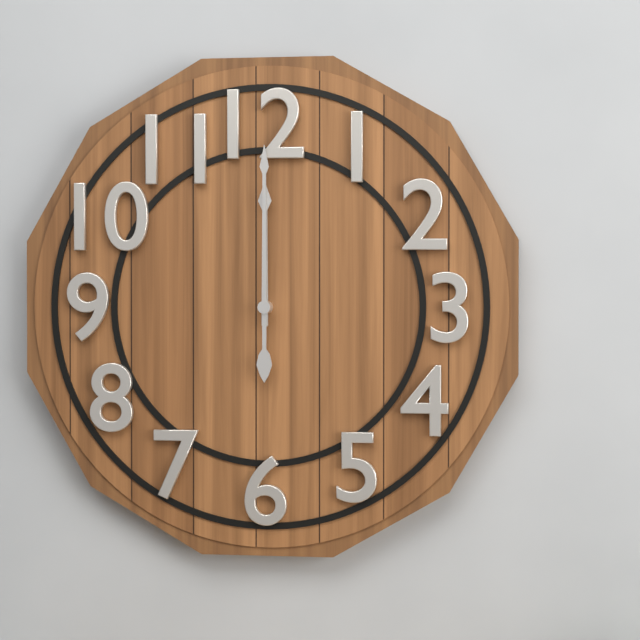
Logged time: 12 h 00 min
